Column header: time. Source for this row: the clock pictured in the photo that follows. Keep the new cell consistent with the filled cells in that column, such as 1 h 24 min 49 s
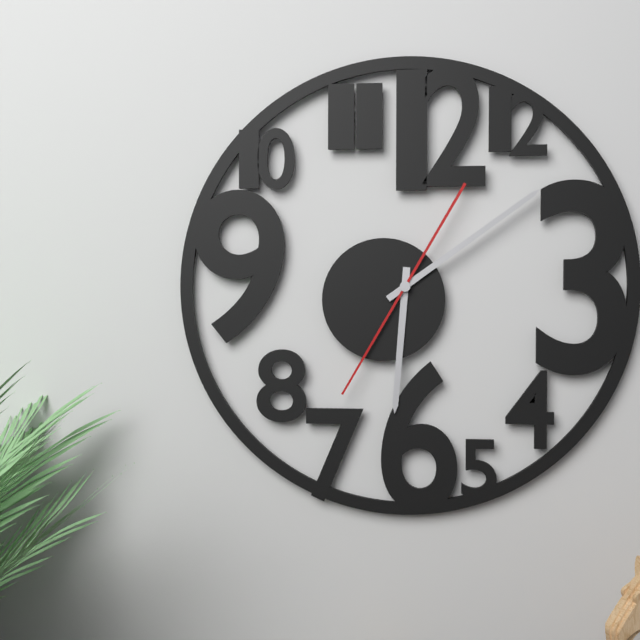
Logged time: 6 h 09 min 35 s
